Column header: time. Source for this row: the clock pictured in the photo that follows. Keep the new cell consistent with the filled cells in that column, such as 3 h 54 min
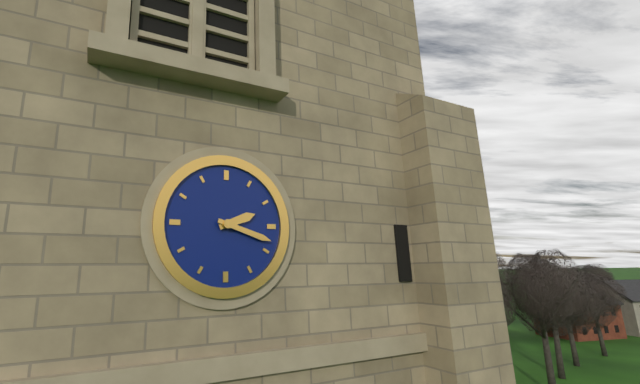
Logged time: 2 h 18 min
